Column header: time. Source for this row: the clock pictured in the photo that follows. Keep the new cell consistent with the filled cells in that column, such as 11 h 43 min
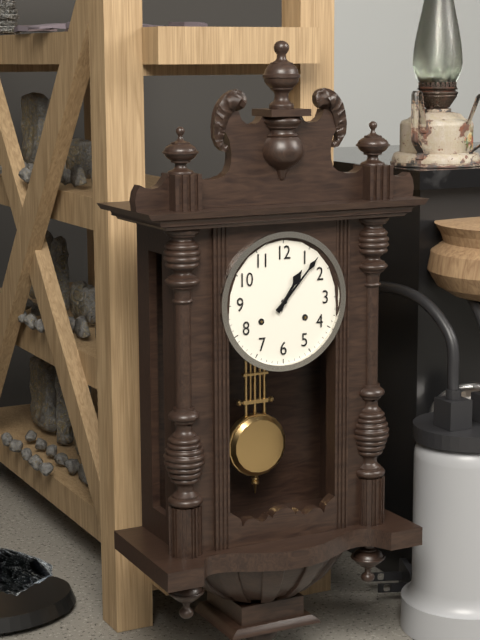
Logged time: 1 h 07 min
